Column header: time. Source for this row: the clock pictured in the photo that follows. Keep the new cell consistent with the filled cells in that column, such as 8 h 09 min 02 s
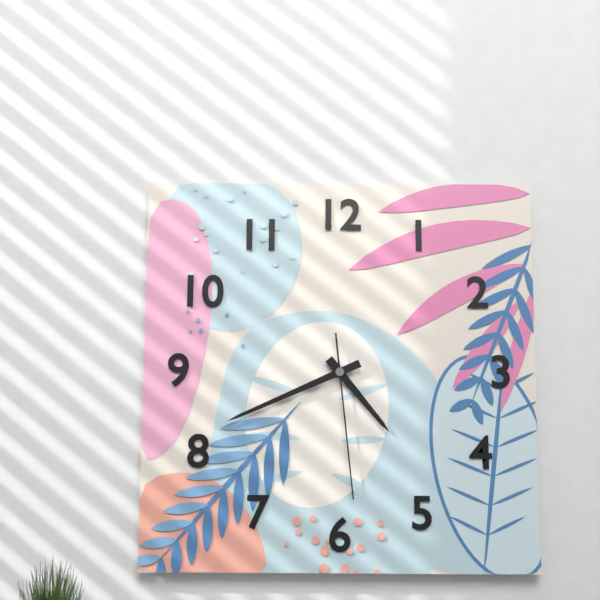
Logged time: 4 h 41 min 29 s
